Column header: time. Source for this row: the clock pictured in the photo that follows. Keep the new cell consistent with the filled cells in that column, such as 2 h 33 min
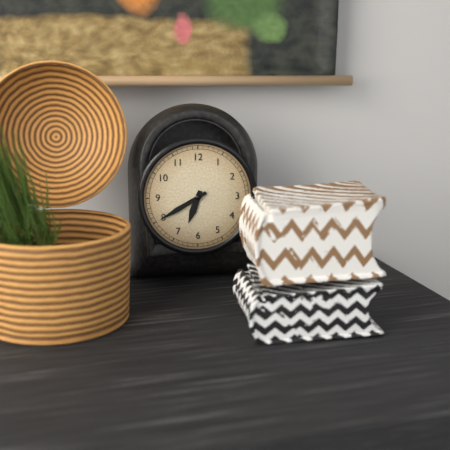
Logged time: 6 h 40 min
